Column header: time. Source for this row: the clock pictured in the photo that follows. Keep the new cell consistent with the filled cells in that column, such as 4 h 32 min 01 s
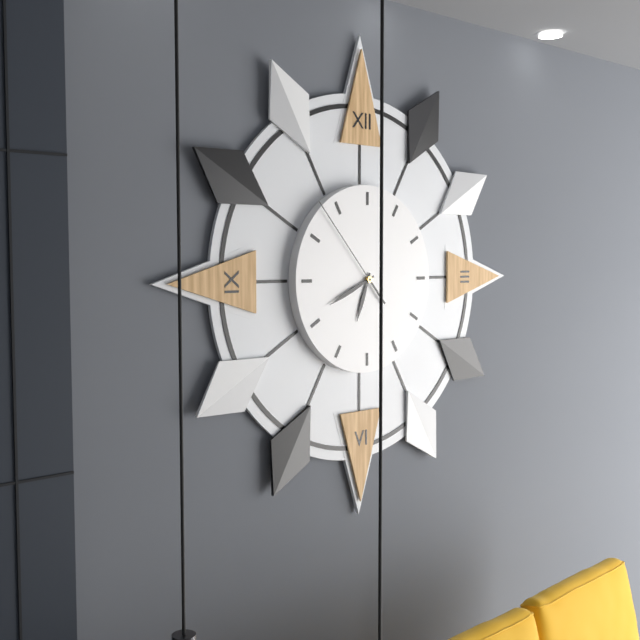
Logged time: 6 h 41 min 53 s
